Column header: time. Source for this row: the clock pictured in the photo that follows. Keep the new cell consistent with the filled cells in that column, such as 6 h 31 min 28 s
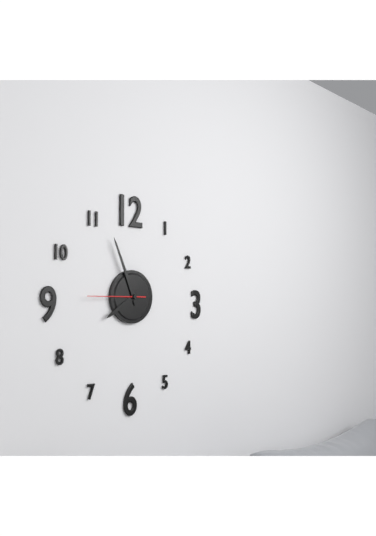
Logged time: 7 h 56 min 45 s
